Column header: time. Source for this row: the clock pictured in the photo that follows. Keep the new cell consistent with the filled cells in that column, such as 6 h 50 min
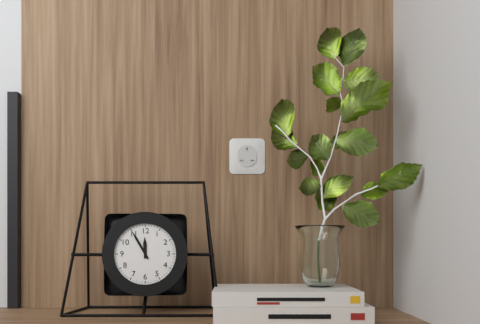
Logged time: 11 h 55 min
